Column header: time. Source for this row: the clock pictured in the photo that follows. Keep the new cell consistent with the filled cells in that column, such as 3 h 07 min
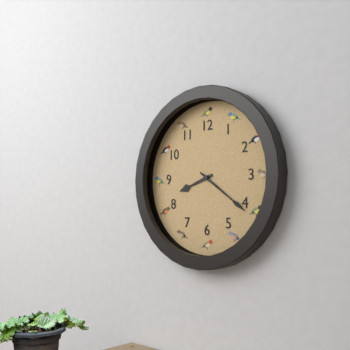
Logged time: 8 h 21 min
